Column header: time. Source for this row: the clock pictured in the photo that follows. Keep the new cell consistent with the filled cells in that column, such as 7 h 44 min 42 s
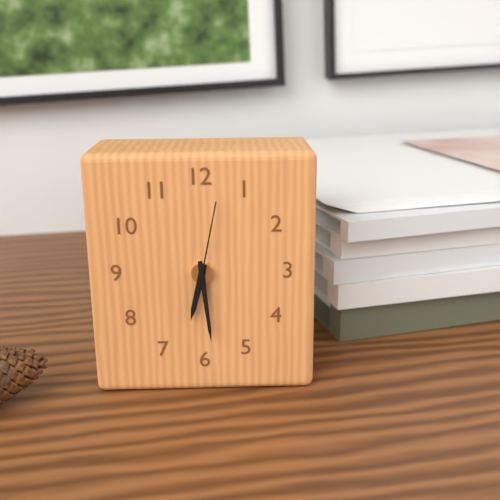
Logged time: 6 h 29 min 02 s
